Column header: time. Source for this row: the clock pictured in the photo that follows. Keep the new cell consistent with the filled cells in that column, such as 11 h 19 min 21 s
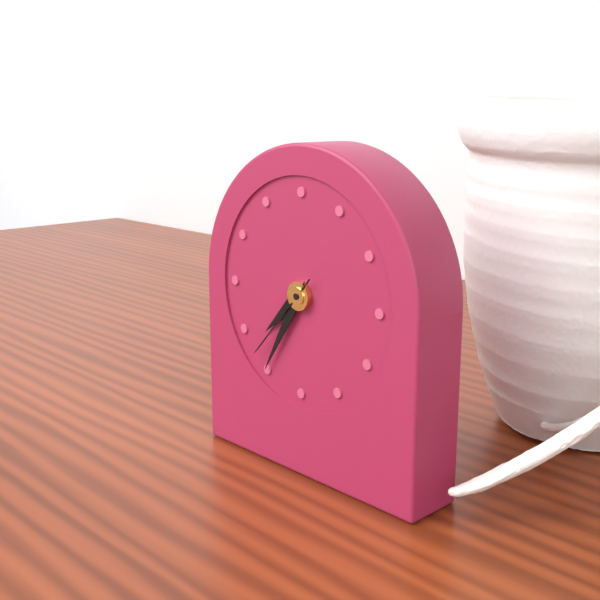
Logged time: 7 h 35 min 37 s
